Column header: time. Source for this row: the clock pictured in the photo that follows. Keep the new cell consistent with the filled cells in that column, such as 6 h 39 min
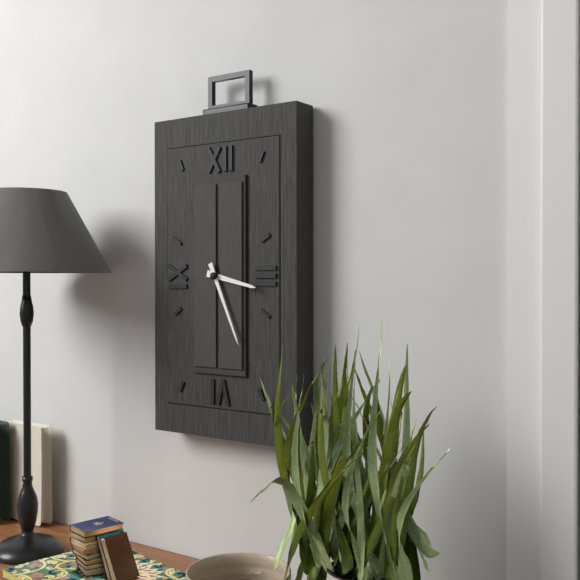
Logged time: 3 h 26 min
